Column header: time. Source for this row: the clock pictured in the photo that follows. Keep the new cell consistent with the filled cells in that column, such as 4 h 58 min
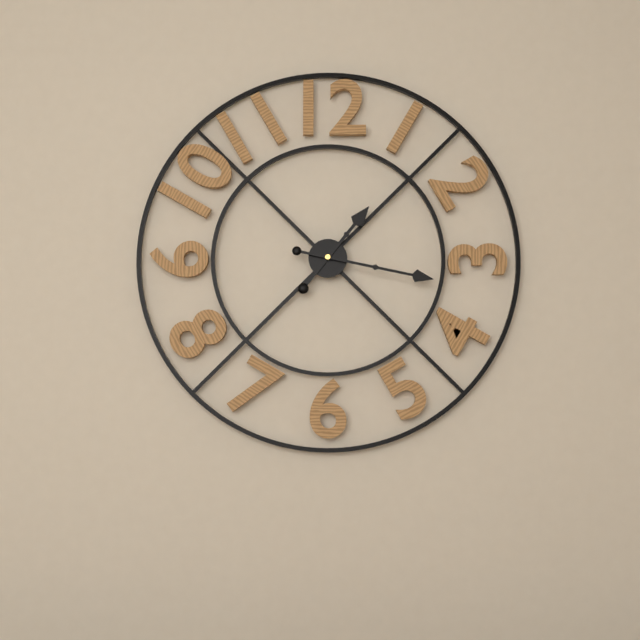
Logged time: 1 h 17 min
